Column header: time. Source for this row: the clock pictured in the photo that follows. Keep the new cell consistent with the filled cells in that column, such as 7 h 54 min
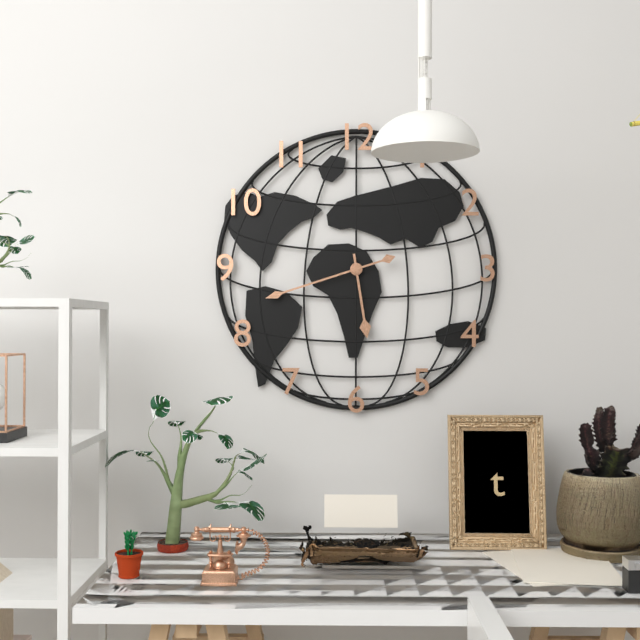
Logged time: 5 h 42 min
